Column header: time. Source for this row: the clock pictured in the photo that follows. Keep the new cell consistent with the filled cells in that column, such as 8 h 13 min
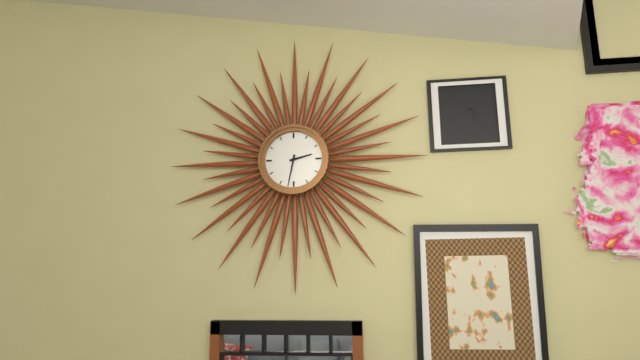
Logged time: 2 h 32 min
